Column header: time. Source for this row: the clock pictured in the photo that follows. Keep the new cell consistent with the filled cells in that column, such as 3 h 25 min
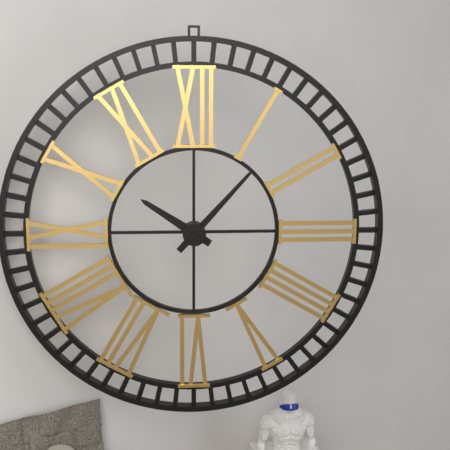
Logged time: 10 h 07 min
